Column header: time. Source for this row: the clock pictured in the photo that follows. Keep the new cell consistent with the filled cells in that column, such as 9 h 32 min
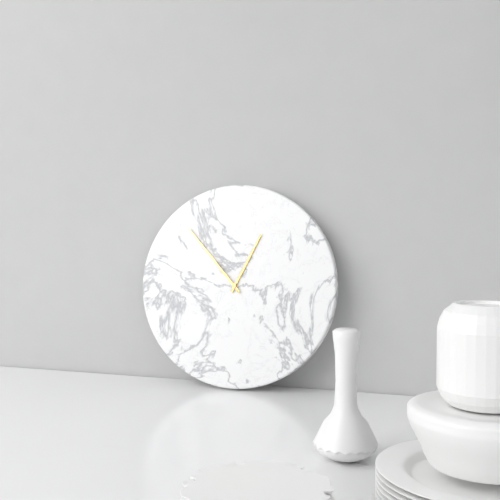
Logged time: 12 h 53 min
